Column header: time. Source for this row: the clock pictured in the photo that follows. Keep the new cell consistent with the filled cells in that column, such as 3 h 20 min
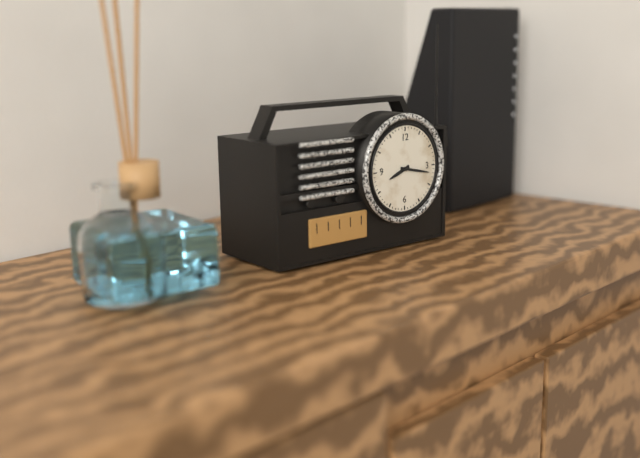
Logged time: 8 h 17 min
